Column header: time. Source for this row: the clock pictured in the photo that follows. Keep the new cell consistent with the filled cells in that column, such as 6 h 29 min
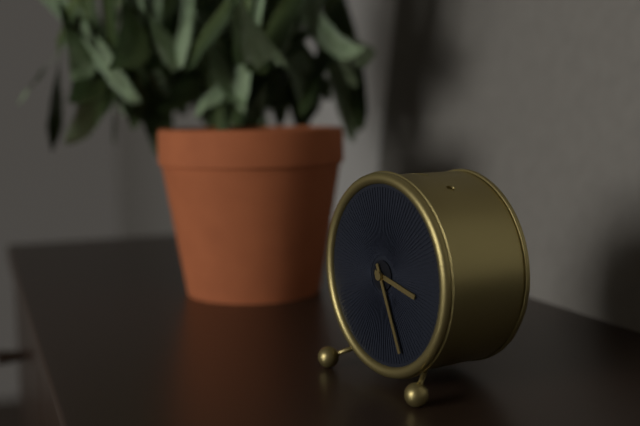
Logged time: 3 h 26 min
